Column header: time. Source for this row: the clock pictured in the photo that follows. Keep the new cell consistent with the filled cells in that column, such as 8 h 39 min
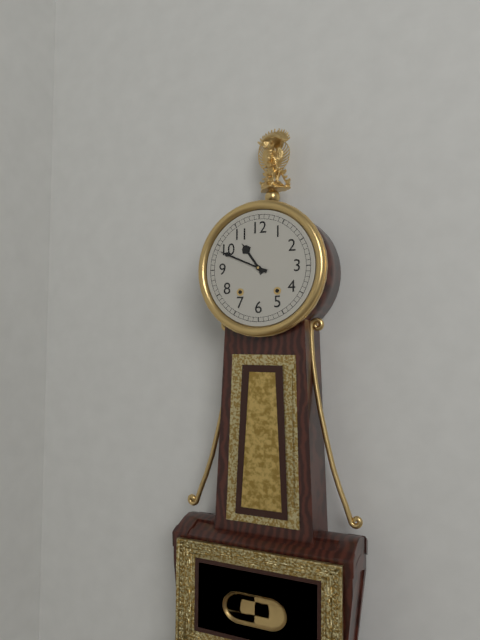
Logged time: 10 h 49 min
